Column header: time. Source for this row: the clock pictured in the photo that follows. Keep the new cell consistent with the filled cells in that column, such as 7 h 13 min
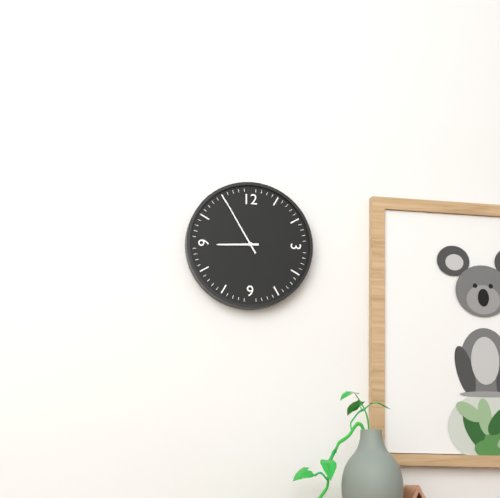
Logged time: 8 h 55 min
